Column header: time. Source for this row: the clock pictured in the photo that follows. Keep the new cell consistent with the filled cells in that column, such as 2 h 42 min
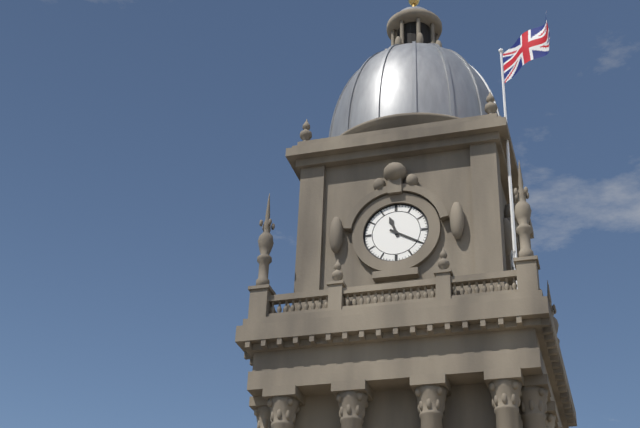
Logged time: 11 h 20 min
